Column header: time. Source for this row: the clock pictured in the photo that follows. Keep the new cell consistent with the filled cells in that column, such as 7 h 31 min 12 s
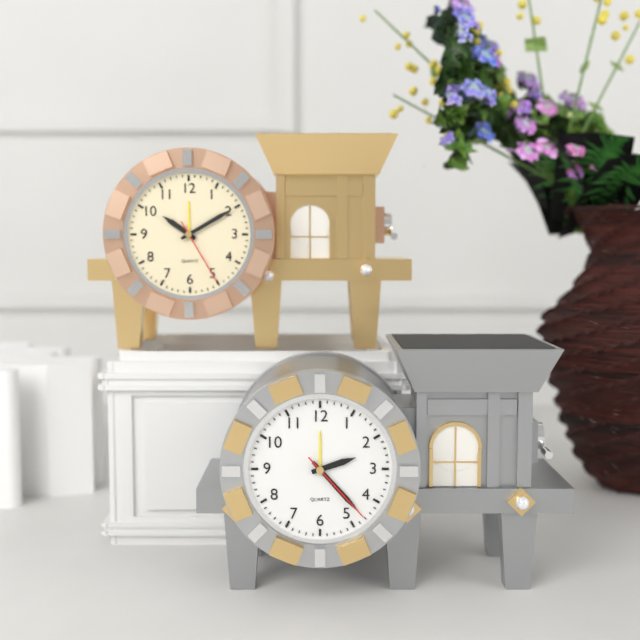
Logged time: 2 h 23 min 23 s
